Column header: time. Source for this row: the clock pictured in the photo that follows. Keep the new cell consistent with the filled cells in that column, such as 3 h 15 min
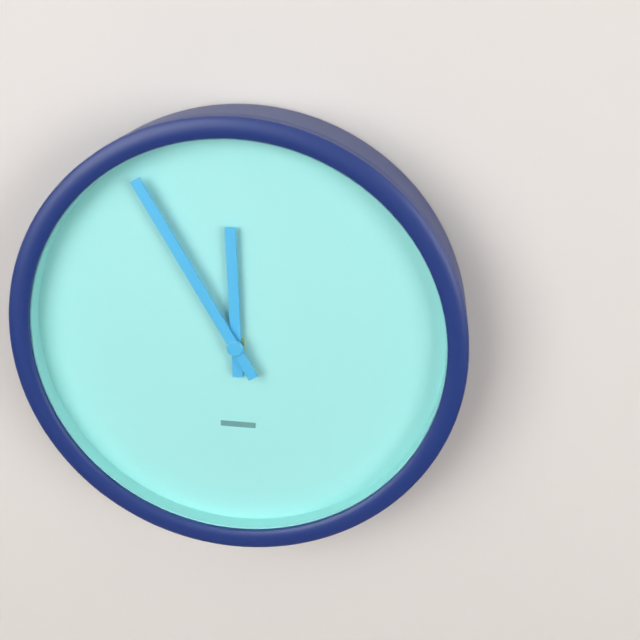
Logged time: 11 h 55 min
